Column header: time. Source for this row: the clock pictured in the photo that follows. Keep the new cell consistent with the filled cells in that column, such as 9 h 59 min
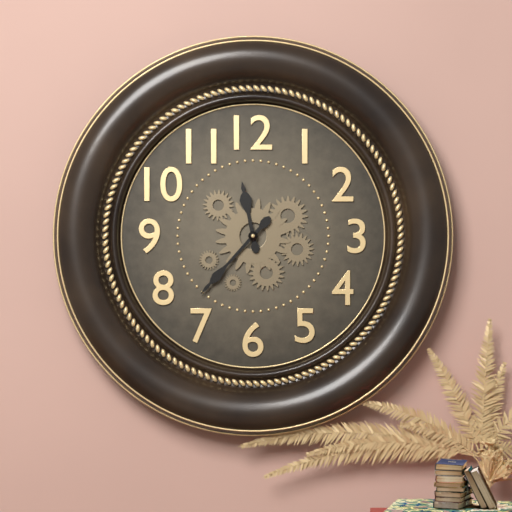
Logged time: 11 h 37 min
